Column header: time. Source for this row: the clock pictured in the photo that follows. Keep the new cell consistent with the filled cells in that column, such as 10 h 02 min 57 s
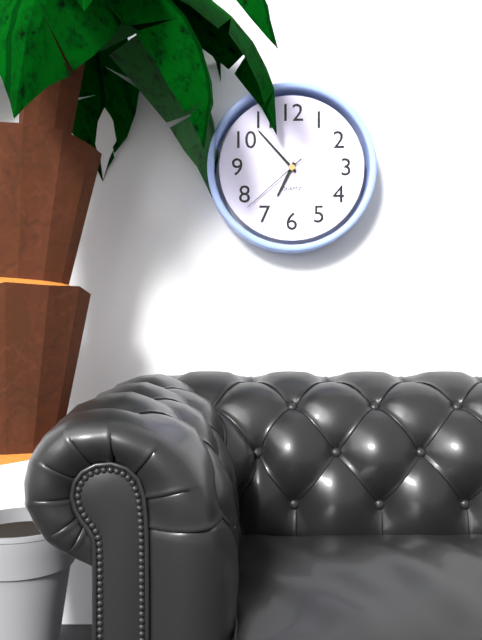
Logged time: 6 h 53 min 38 s
